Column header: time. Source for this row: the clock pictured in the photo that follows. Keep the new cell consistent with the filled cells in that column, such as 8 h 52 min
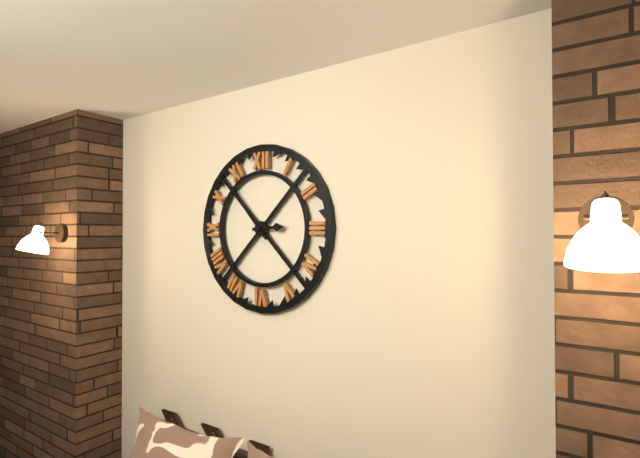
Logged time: 2 h 53 min
